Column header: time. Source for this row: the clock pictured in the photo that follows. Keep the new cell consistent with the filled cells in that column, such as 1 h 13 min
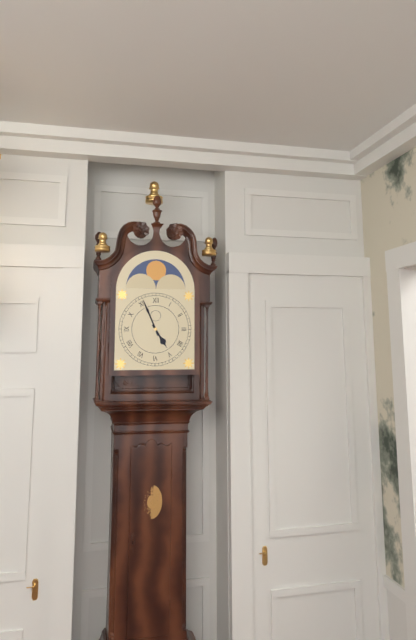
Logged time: 4 h 56 min
